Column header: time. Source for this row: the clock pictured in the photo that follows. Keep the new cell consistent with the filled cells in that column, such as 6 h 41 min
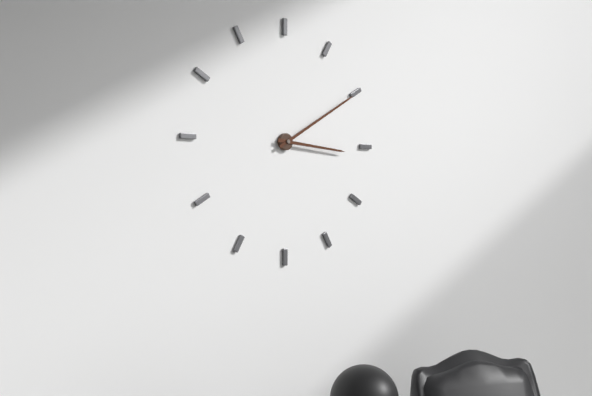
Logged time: 3 h 10 min
